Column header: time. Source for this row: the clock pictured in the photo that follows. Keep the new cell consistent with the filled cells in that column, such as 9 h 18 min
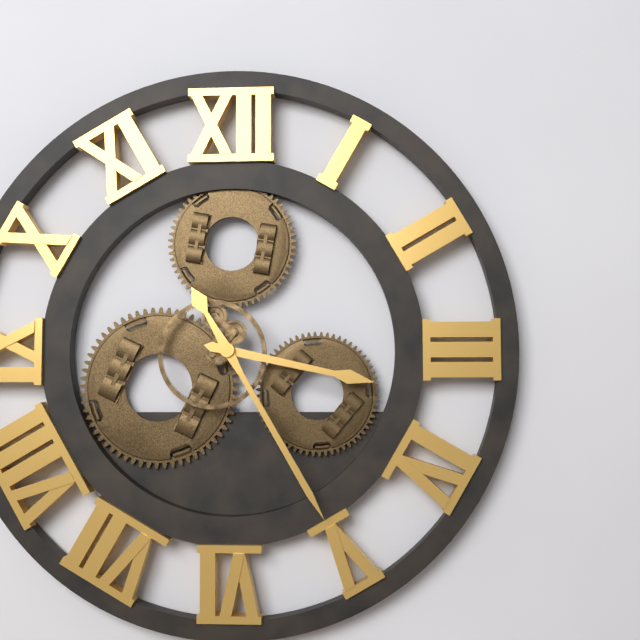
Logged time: 3 h 25 min
